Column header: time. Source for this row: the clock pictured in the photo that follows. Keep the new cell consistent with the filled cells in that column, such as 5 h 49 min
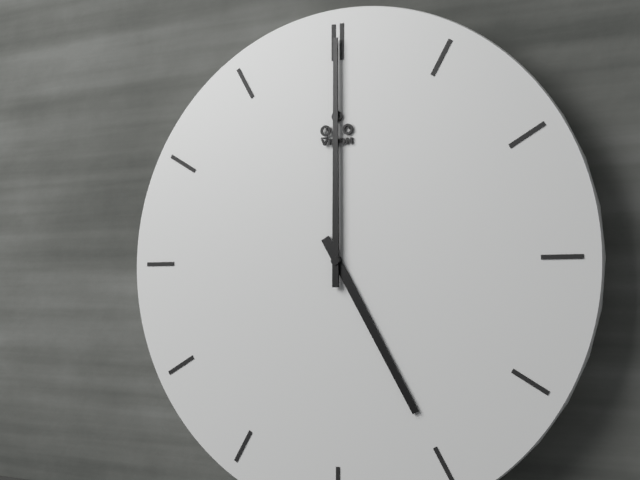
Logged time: 5 h 00 min
